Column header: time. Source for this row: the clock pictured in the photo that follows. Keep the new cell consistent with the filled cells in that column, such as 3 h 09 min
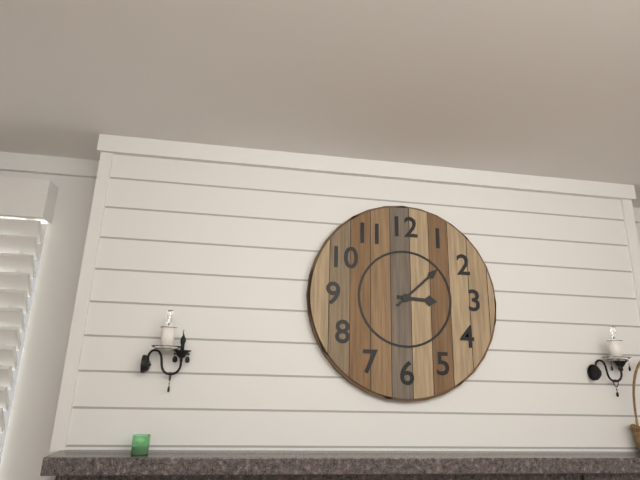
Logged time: 3 h 08 min
